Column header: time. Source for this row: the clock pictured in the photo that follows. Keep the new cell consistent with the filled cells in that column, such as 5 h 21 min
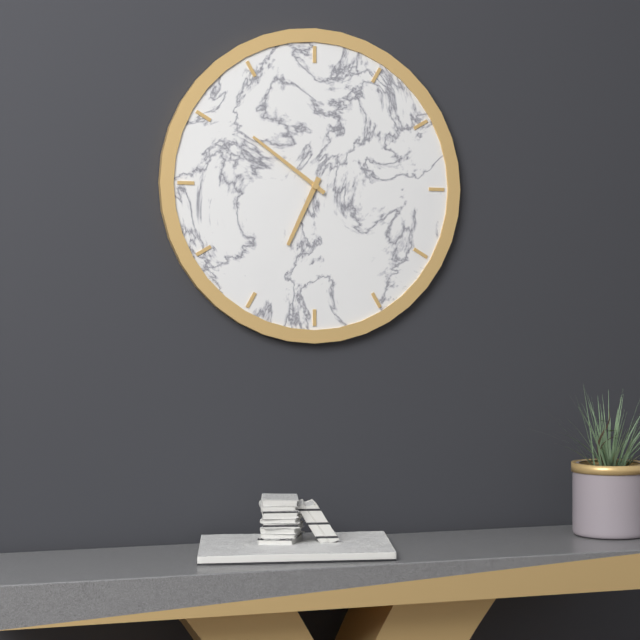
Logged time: 6 h 51 min
